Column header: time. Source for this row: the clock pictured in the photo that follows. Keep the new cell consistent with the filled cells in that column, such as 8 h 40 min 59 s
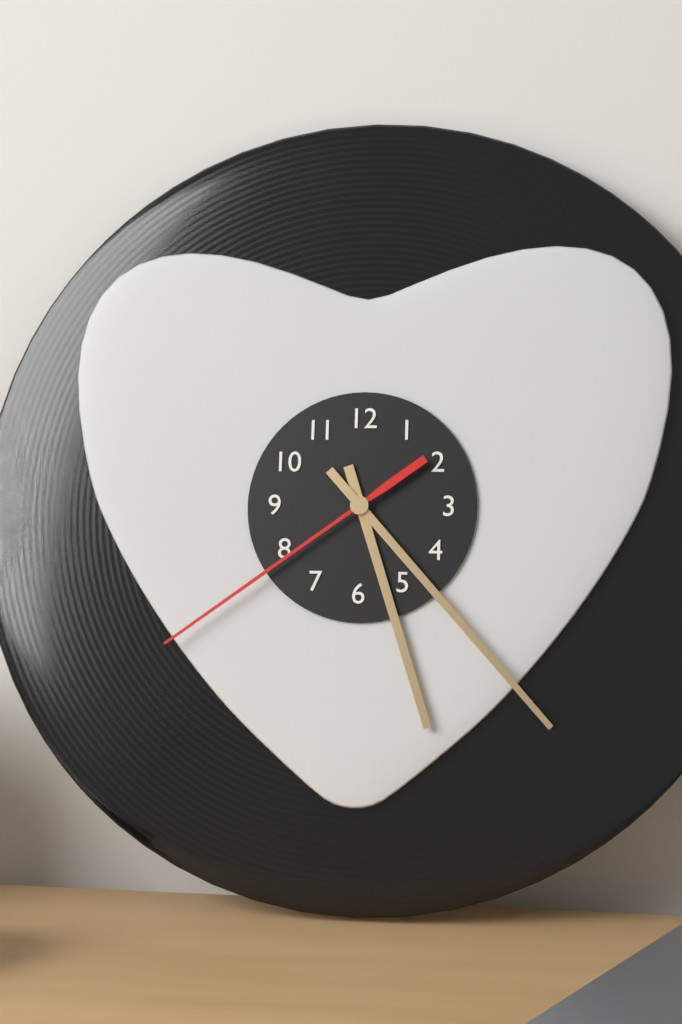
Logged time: 5 h 23 min 39 s
